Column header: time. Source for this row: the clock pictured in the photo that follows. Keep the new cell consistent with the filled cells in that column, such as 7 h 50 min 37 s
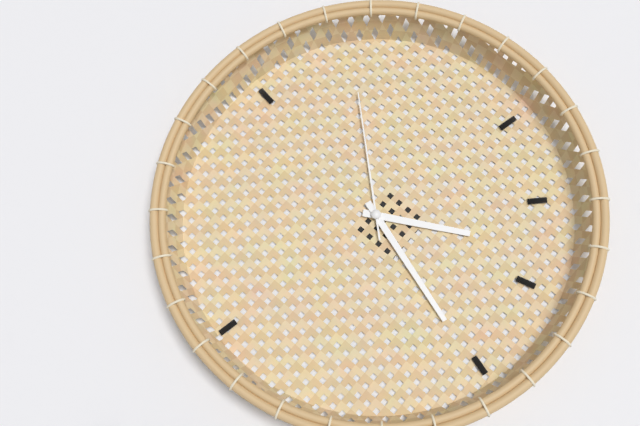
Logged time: 11 h 03 min 37 s
